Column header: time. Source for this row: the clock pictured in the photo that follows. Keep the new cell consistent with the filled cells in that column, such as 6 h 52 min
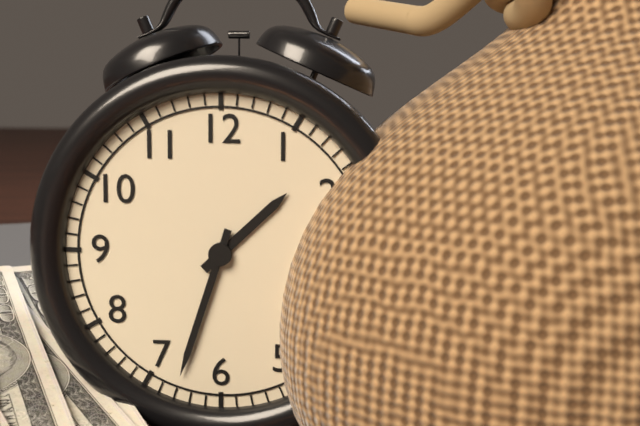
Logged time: 1 h 33 min
